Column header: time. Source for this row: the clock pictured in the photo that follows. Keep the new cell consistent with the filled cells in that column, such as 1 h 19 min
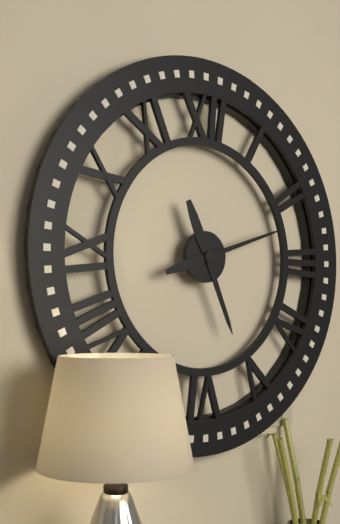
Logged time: 5 h 12 min
